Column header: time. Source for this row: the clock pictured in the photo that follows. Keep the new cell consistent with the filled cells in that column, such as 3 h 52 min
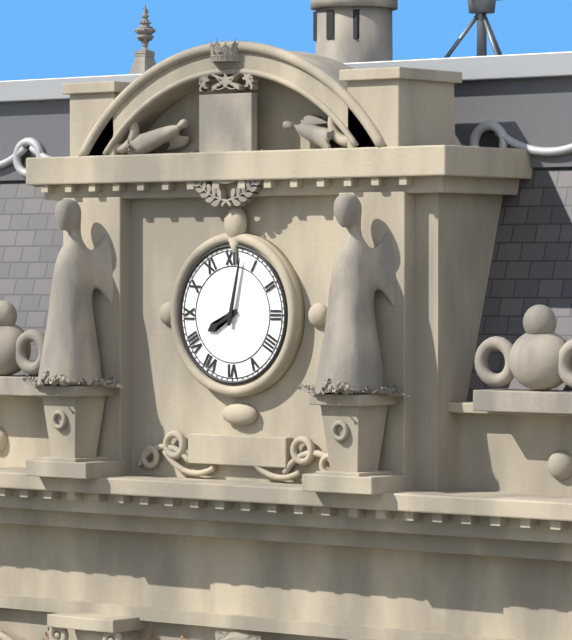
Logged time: 8 h 02 min
